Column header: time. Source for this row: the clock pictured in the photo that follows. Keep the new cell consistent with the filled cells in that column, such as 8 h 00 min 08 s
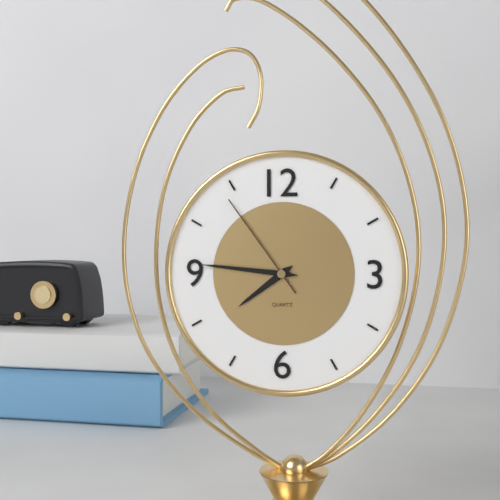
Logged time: 7 h 46 min 54 s
